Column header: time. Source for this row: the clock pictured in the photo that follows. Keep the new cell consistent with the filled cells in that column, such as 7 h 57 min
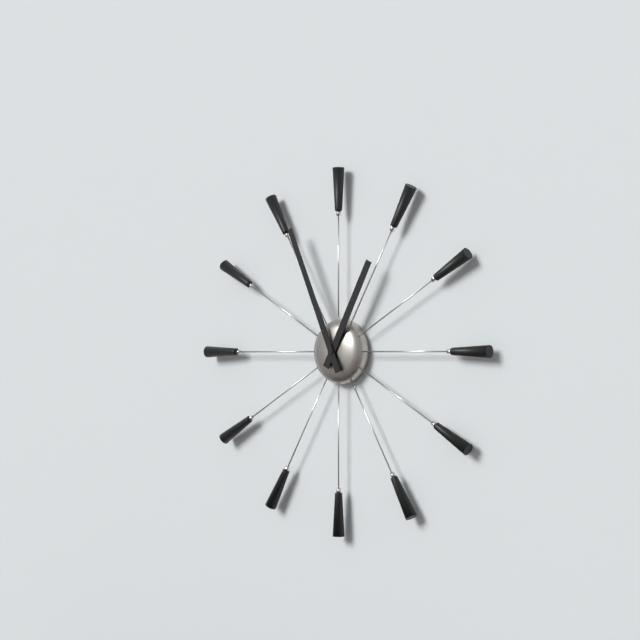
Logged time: 12 h 56 min
